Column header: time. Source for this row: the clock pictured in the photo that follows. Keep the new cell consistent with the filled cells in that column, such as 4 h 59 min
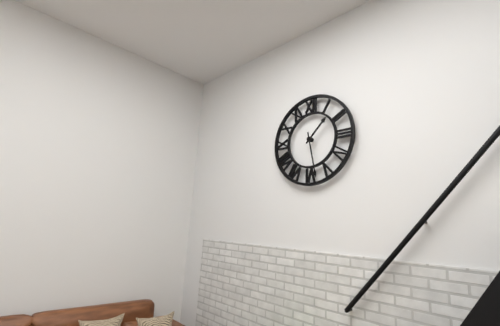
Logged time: 1 h 28 min
